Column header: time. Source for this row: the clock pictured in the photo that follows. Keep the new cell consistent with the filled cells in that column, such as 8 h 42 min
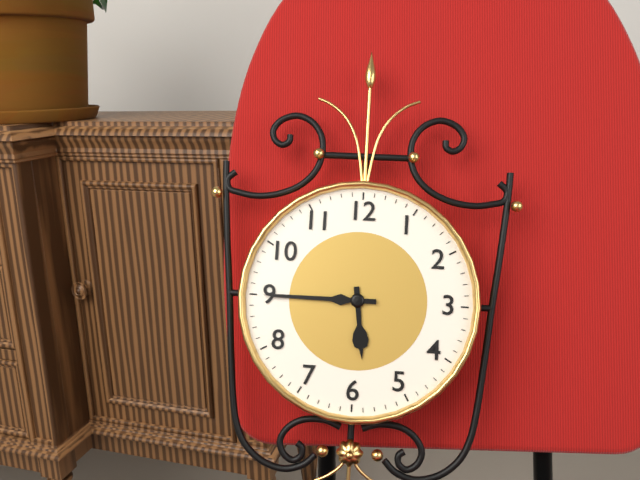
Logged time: 5 h 45 min
